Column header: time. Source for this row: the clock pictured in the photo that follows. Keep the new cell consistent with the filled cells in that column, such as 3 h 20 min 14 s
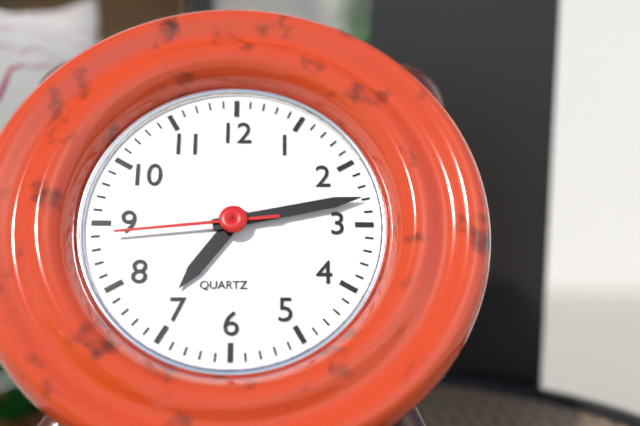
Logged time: 7 h 13 min 44 s
